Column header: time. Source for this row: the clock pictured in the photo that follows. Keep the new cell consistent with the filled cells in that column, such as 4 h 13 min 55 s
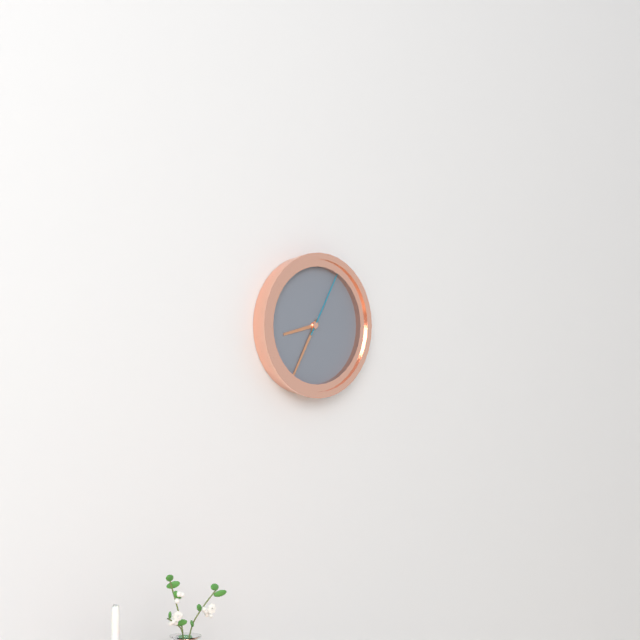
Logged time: 8 h 35 min 05 s
